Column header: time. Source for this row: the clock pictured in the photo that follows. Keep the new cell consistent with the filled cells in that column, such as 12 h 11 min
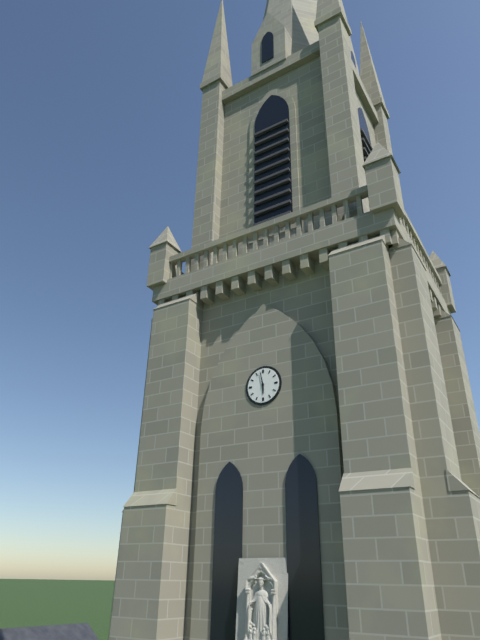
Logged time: 5 h 58 min
